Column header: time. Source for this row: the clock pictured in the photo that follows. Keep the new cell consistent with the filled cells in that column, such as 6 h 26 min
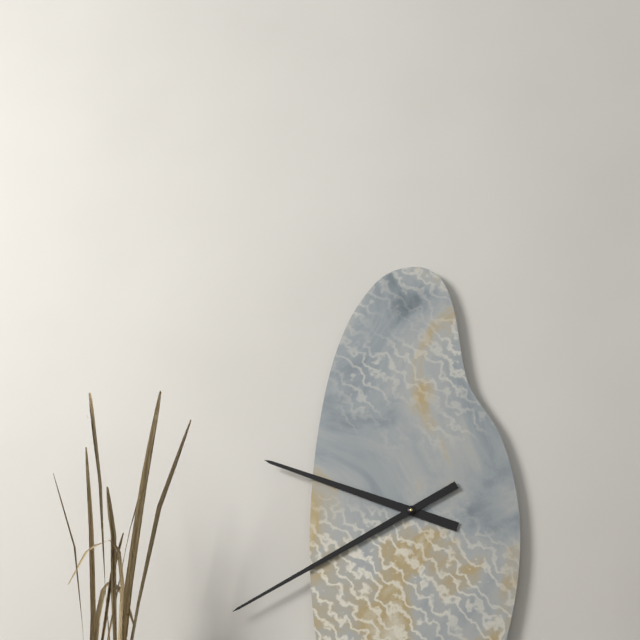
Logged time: 9 h 40 min
